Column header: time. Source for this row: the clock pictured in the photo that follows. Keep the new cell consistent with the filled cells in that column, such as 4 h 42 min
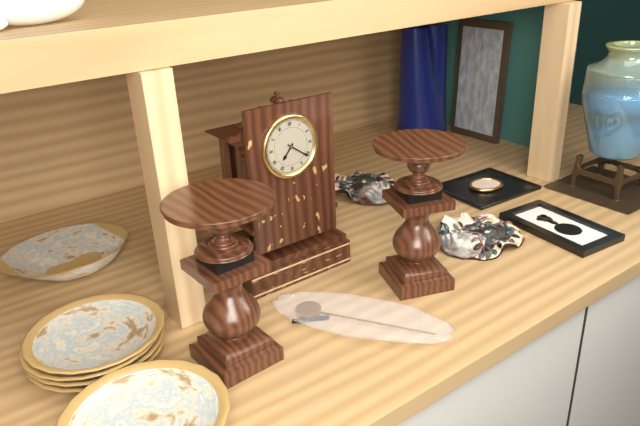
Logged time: 7 h 21 min
